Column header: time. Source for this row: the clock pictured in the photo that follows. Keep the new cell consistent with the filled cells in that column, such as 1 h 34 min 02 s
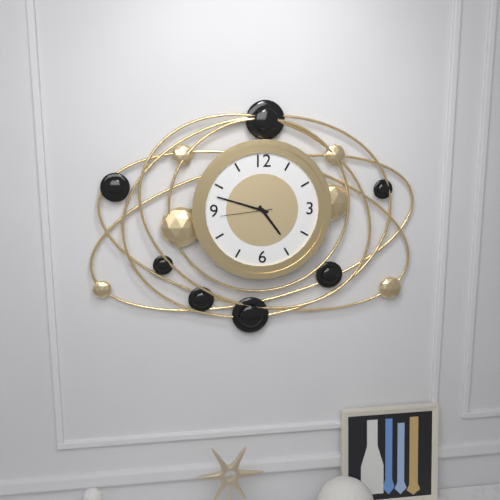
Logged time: 4 h 48 min 44 s
